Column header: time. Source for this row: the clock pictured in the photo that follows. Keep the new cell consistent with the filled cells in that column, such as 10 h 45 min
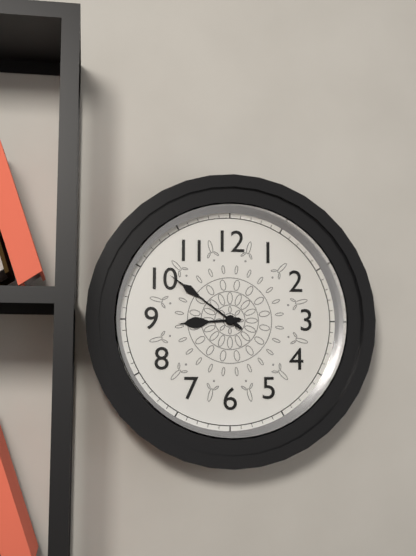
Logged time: 8 h 51 min
